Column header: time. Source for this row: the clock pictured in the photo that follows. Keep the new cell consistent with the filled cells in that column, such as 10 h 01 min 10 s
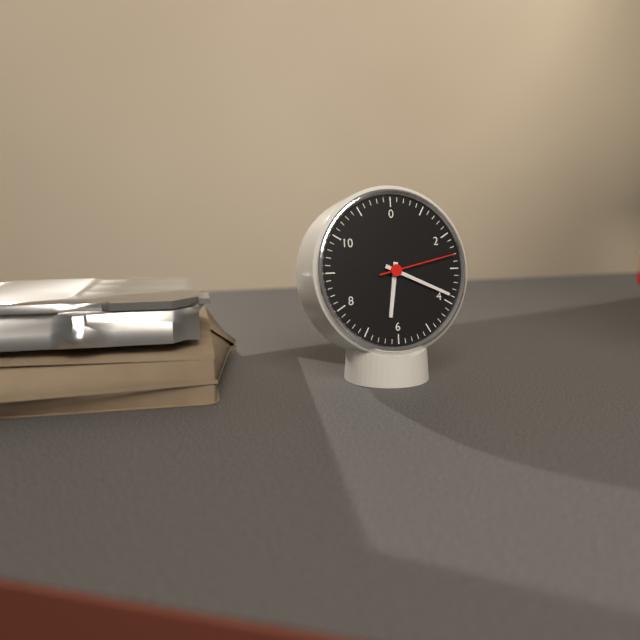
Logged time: 6 h 19 min 13 s
